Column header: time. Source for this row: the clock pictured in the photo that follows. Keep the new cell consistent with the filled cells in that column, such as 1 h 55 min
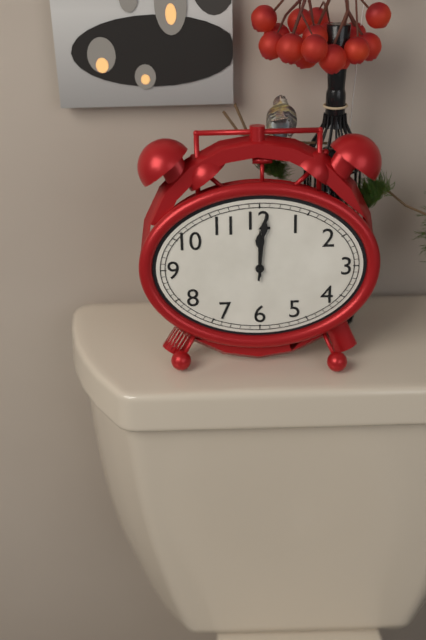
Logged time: 12 h 01 min
